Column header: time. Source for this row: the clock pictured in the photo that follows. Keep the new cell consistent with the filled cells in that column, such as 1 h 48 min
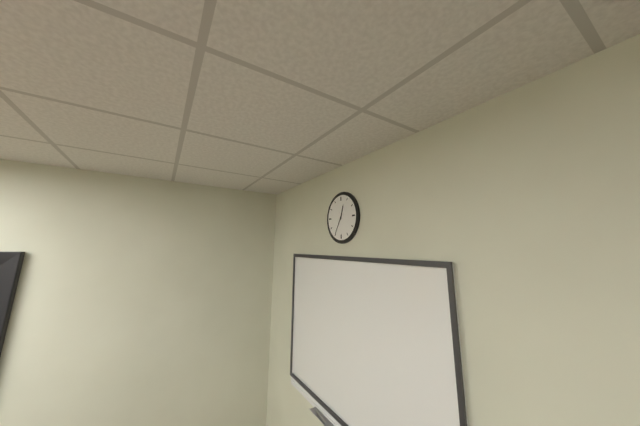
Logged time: 12 h 35 min
